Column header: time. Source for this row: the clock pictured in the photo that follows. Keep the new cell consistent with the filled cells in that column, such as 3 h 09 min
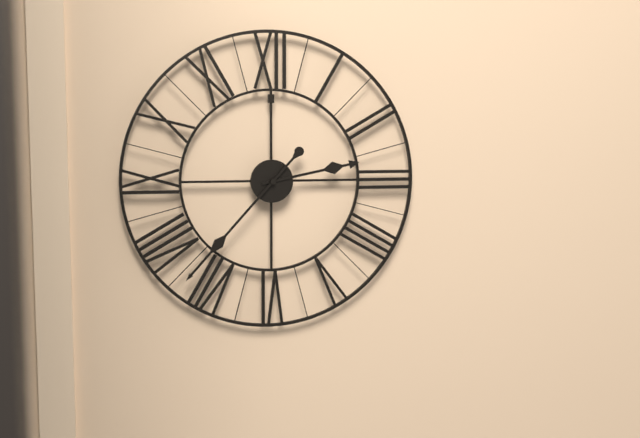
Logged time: 2 h 37 min
